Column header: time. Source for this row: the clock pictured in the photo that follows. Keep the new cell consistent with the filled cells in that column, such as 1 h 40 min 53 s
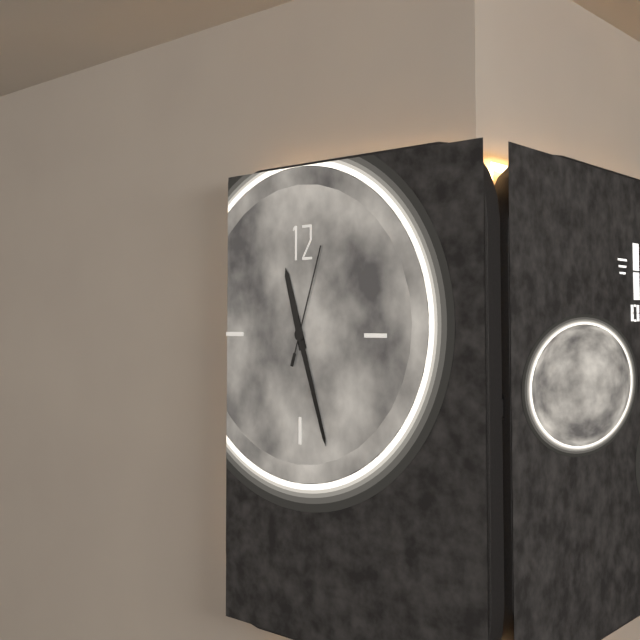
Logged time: 11 h 27 min 03 s
